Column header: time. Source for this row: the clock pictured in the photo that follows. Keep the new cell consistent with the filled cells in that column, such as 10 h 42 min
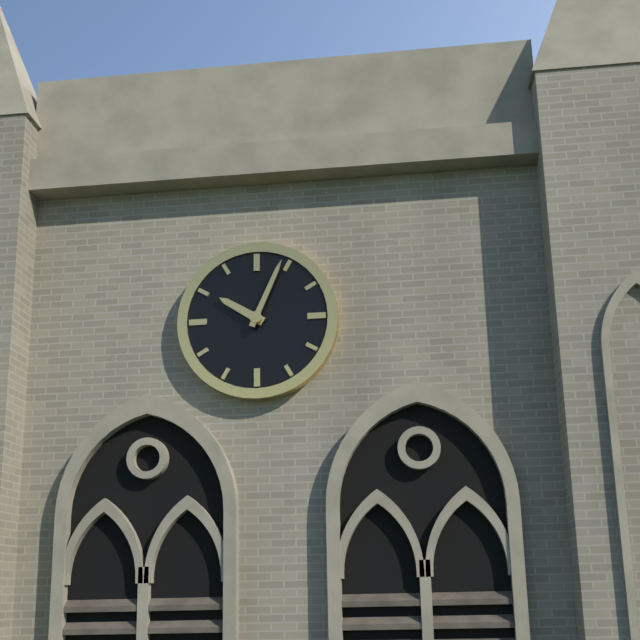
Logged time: 10 h 04 min
